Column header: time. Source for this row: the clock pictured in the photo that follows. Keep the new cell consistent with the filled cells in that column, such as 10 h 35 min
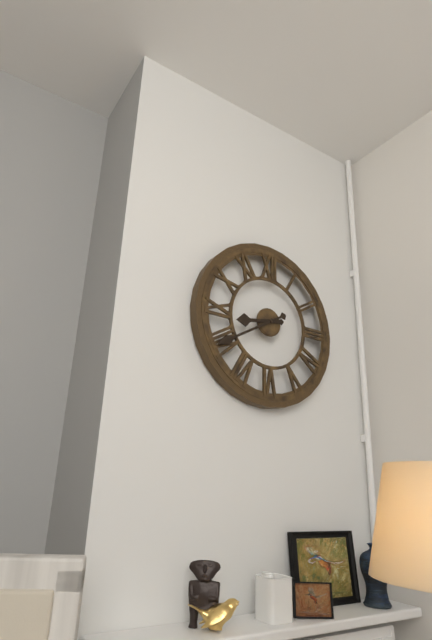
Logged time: 8 h 40 min
